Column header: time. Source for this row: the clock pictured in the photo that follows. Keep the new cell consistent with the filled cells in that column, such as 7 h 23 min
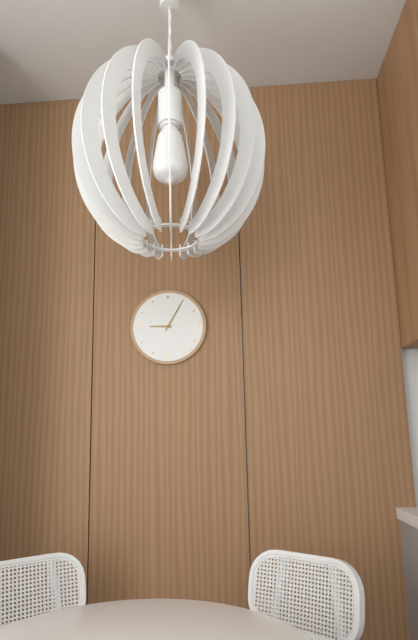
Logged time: 9 h 05 min
